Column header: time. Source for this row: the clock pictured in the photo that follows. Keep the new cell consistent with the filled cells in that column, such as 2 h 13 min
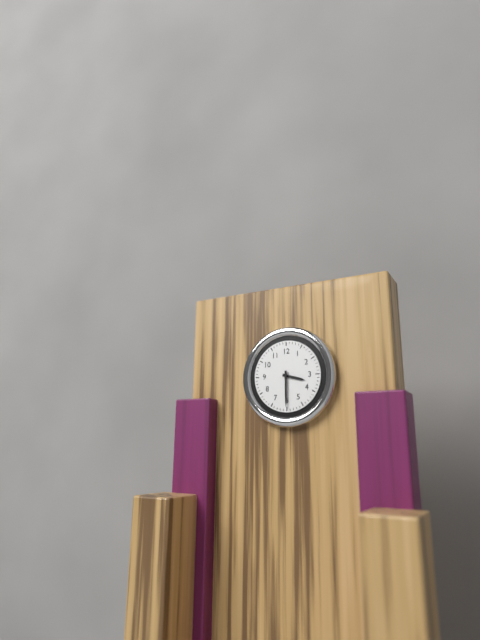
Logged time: 3 h 30 min
